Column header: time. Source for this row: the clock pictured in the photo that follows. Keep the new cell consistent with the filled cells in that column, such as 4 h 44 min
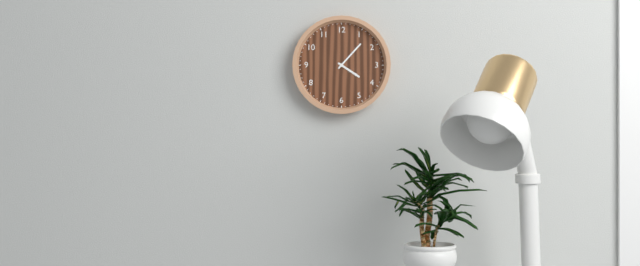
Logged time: 4 h 07 min
